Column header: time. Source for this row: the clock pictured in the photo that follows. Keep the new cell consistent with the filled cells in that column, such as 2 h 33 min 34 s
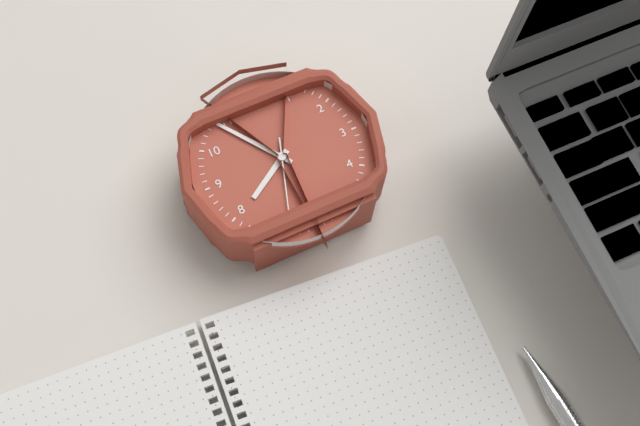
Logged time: 7 h 54 min 33 s
